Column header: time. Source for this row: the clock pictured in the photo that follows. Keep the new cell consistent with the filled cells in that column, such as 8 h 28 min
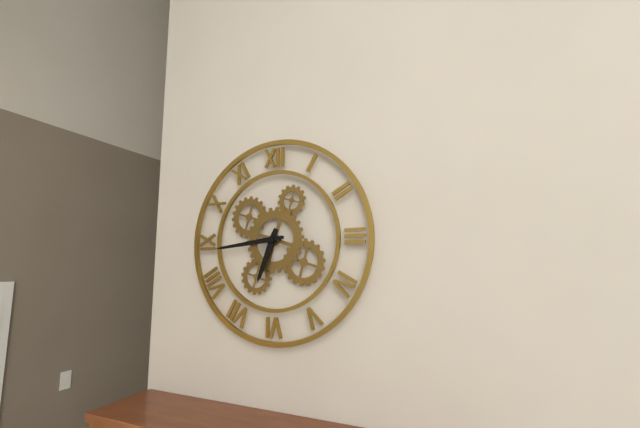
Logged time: 6 h 44 min
